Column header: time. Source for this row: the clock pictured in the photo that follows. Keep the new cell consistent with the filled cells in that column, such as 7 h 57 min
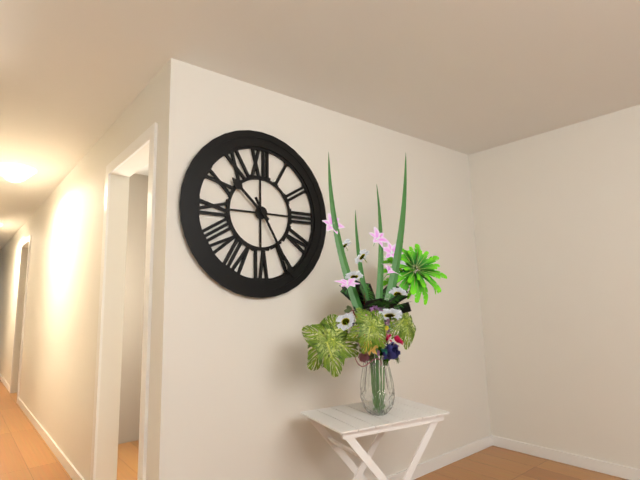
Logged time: 10 h 25 min
